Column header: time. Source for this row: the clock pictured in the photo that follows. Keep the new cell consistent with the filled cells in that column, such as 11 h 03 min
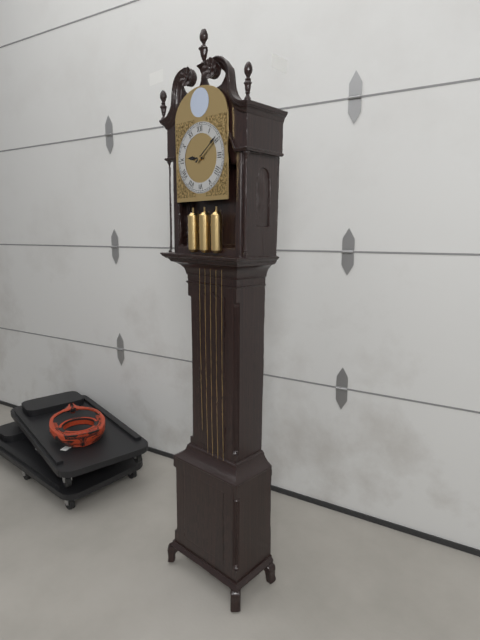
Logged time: 9 h 09 min
